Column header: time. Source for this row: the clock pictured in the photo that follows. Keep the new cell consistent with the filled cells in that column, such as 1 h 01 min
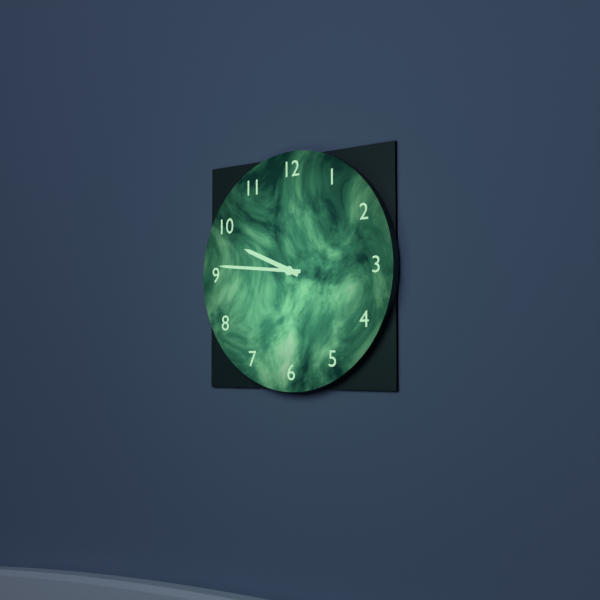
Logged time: 9 h 46 min
